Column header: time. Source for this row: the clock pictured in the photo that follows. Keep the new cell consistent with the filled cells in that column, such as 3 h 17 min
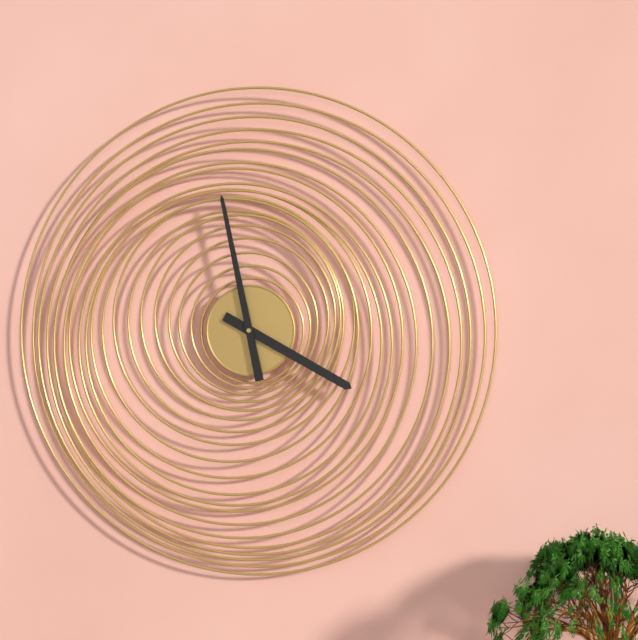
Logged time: 3 h 58 min
